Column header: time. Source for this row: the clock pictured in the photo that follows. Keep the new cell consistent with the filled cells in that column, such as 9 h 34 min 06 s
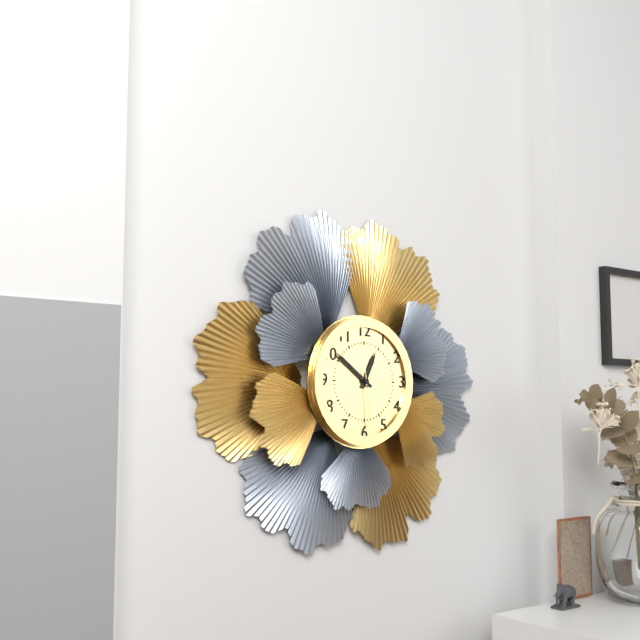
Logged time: 12 h 51 min 29 s
